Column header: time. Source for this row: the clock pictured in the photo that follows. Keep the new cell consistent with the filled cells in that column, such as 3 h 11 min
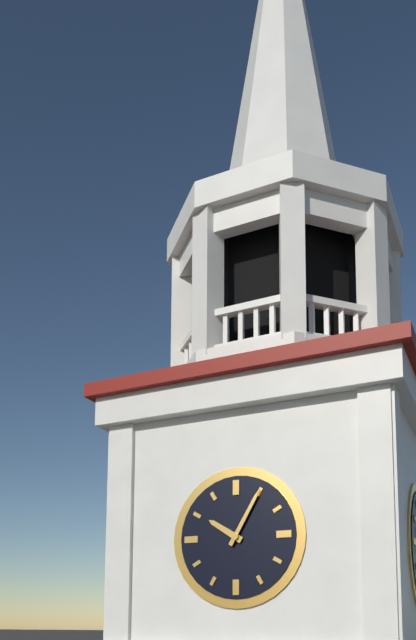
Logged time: 10 h 05 min
